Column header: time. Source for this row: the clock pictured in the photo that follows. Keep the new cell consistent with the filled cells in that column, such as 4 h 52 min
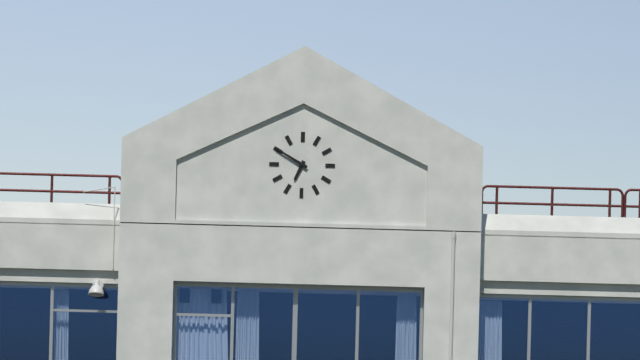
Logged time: 6 h 50 min
